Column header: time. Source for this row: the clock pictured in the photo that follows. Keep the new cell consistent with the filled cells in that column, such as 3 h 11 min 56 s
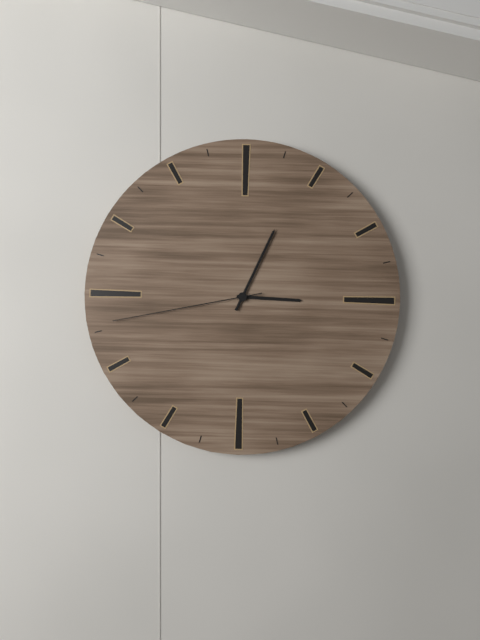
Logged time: 3 h 04 min 43 s
